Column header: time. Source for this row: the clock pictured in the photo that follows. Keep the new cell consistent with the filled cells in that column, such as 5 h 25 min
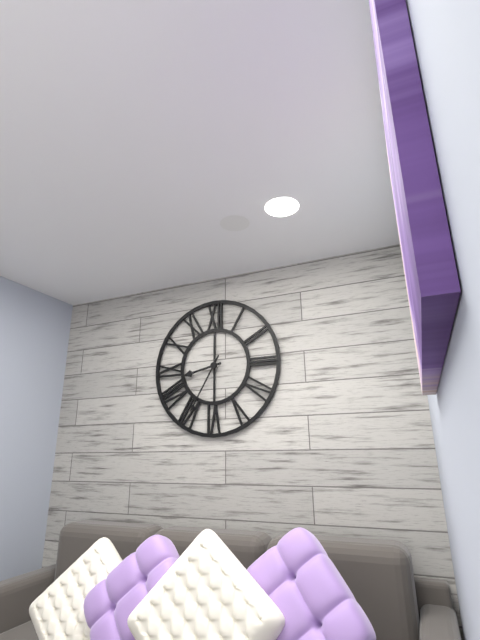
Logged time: 8 h 35 min
